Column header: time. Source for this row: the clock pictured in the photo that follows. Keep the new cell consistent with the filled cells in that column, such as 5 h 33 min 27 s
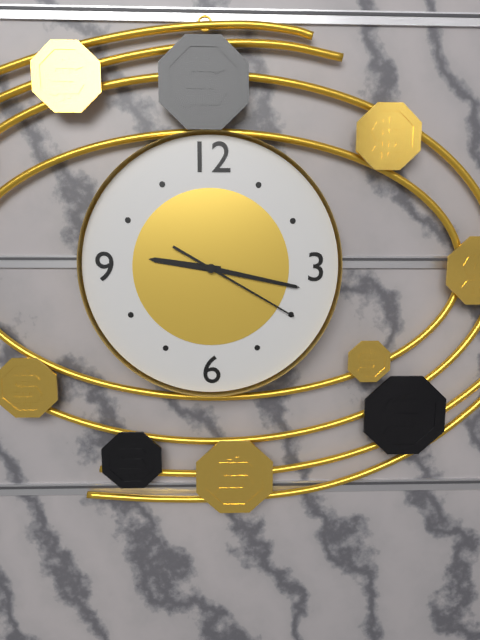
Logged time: 9 h 17 min 20 s
